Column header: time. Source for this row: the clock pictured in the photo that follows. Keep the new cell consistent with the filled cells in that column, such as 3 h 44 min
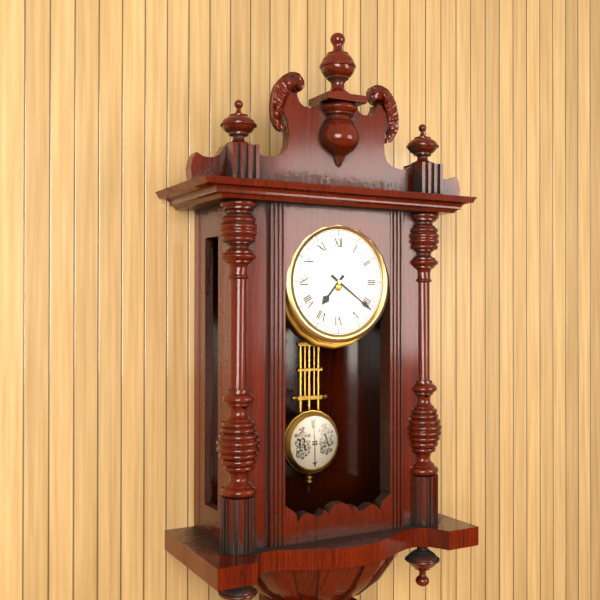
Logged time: 7 h 21 min
